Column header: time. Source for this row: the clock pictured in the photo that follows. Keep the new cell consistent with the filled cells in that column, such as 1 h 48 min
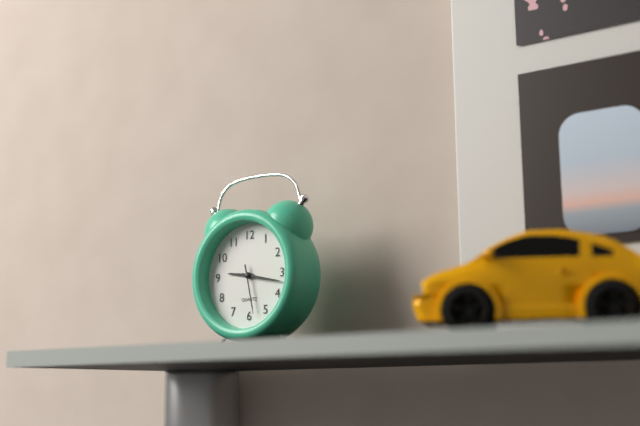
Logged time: 9 h 17 min
